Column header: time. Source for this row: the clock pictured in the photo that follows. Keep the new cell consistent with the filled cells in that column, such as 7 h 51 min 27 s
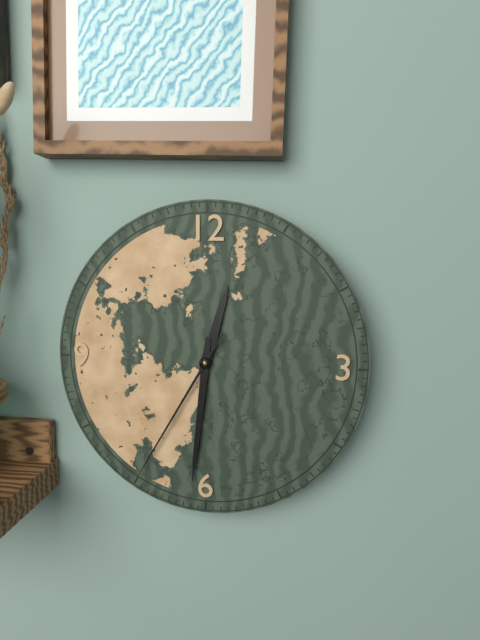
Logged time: 12 h 31 min 35 s
